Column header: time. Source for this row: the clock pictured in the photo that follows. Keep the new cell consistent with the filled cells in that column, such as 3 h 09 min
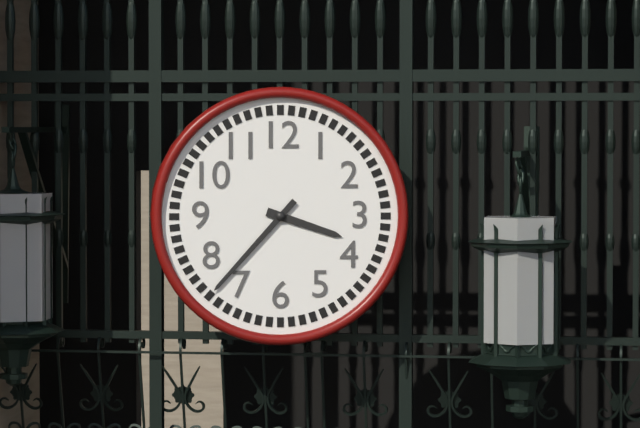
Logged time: 3 h 37 min
